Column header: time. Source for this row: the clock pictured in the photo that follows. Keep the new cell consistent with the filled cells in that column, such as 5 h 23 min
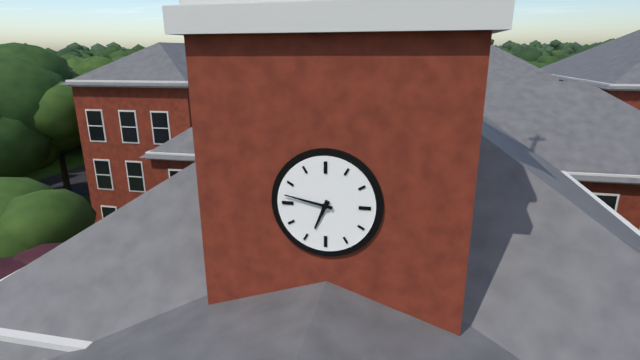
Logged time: 6 h 47 min
